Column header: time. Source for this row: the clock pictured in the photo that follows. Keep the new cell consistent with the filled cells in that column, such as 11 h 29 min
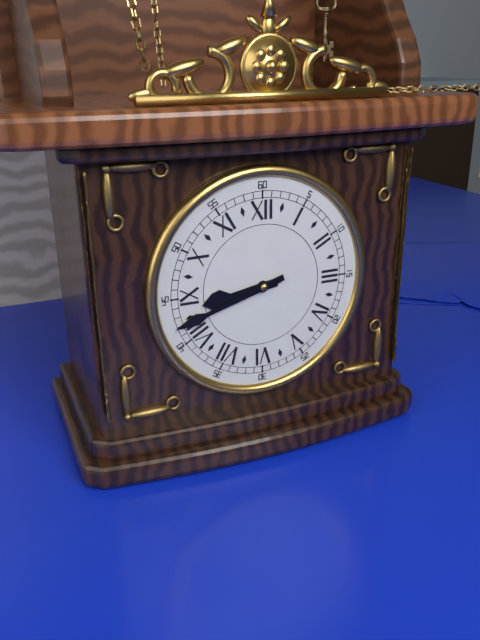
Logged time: 8 h 42 min
